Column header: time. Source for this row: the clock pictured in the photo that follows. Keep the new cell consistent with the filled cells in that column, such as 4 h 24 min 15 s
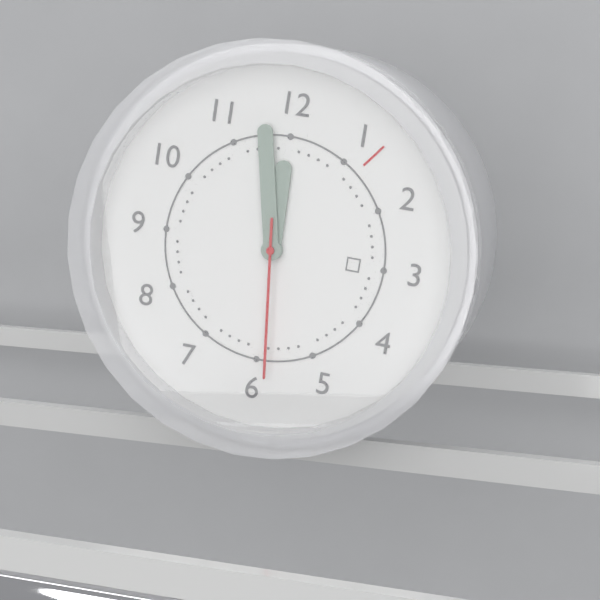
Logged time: 11 h 58 min 29 s
